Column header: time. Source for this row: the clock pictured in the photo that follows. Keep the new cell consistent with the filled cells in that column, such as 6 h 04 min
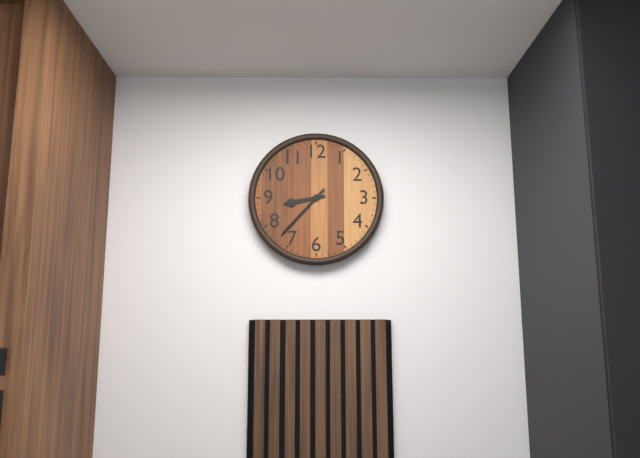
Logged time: 8 h 37 min
